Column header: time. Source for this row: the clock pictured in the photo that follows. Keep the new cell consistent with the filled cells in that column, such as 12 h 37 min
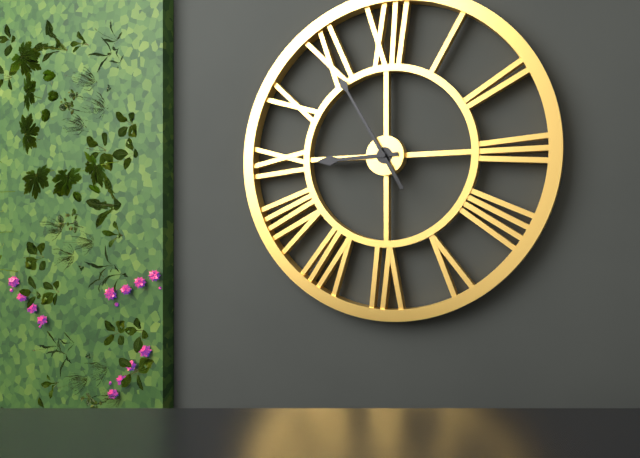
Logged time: 8 h 55 min
